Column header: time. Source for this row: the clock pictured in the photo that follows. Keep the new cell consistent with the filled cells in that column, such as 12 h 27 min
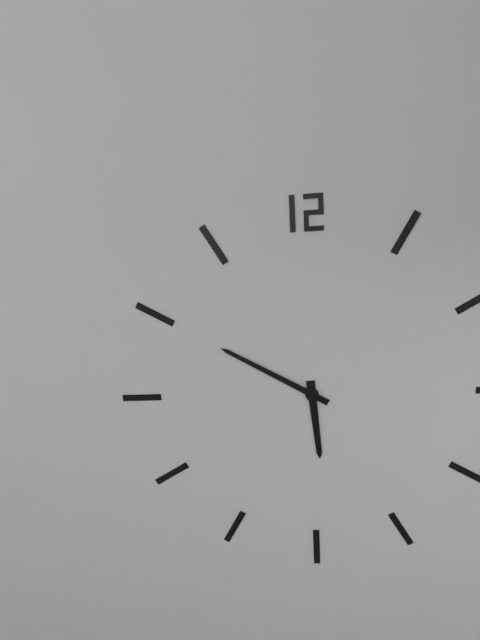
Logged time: 5 h 50 min
